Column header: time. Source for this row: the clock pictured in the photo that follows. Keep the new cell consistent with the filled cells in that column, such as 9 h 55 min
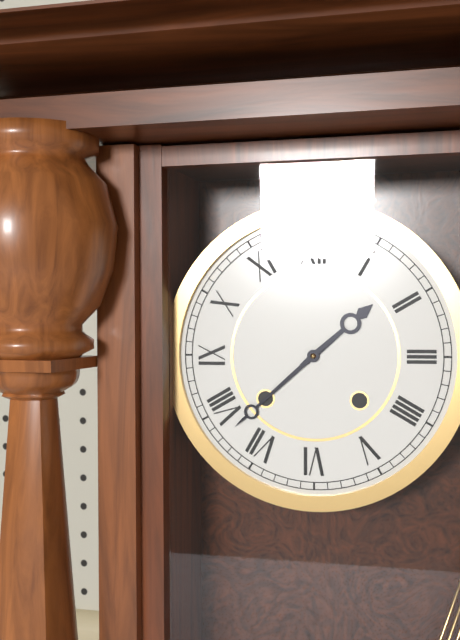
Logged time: 1 h 38 min
